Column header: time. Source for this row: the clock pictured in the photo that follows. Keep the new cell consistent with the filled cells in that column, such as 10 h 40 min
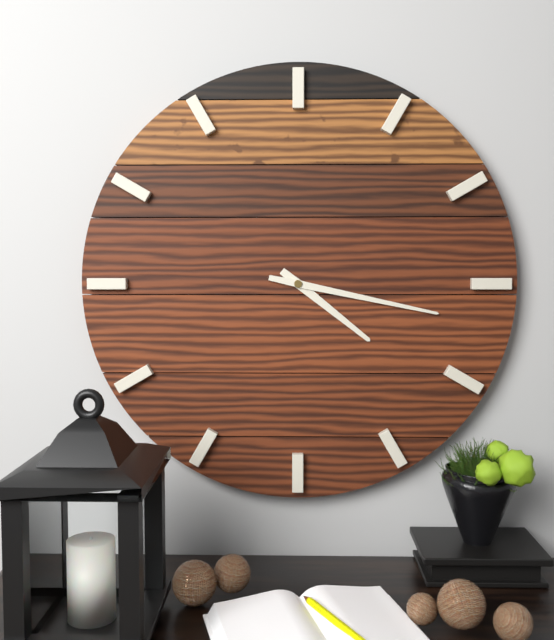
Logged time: 4 h 17 min
